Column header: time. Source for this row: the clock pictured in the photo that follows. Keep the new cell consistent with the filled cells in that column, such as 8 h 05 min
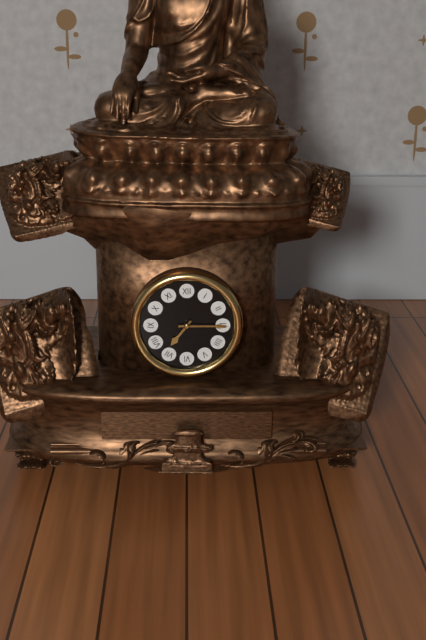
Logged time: 7 h 15 min
